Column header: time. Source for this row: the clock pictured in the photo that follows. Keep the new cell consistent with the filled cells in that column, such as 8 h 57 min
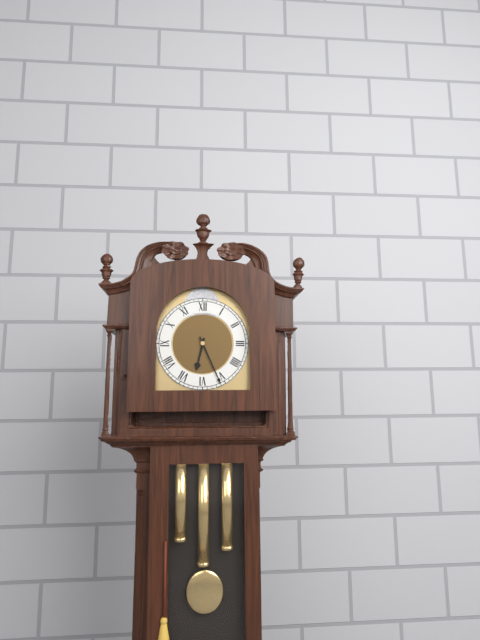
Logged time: 6 h 26 min
